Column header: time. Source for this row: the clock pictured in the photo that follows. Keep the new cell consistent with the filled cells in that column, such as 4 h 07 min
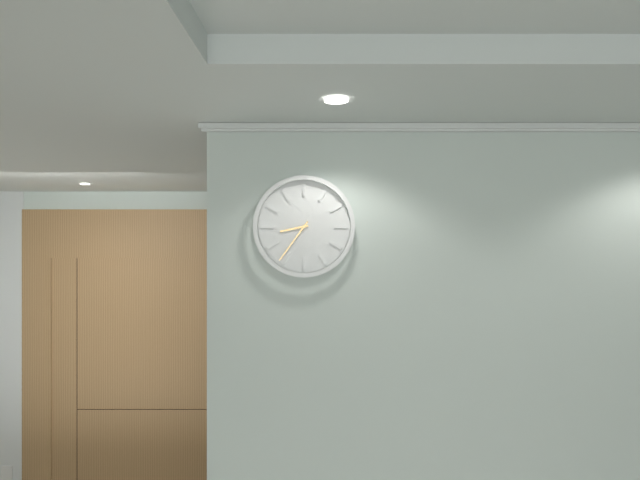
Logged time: 8 h 36 min
